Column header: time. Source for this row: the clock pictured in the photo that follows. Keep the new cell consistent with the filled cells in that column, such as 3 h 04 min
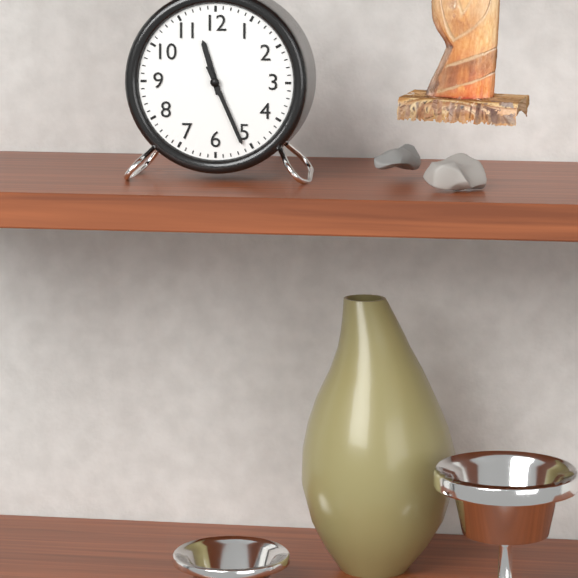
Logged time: 11 h 26 min
